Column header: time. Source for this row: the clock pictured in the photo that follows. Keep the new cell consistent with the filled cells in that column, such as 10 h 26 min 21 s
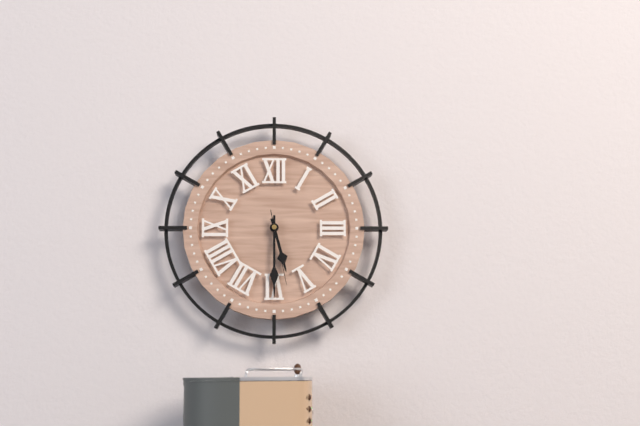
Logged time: 5 h 30 min 28 s
